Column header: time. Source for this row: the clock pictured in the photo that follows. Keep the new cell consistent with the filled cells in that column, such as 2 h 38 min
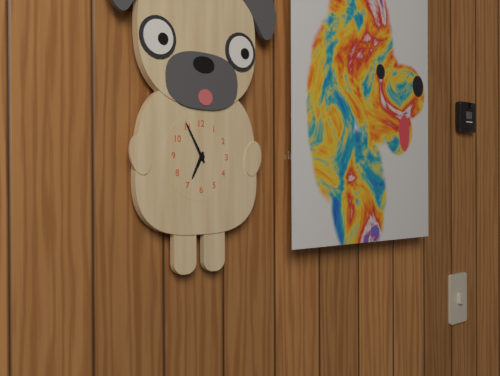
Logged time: 6 h 55 min
